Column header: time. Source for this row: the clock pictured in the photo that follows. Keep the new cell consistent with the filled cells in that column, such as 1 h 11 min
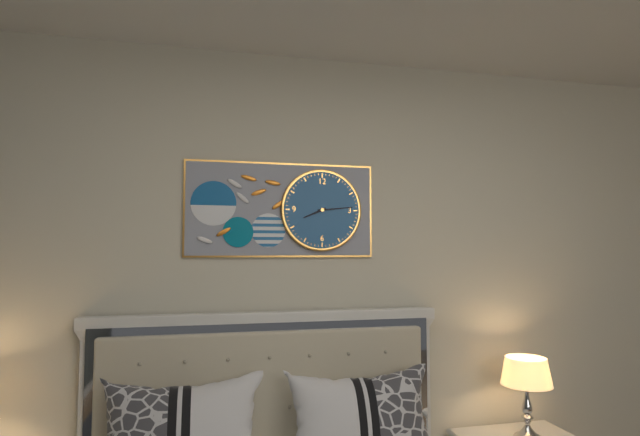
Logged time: 8 h 14 min
